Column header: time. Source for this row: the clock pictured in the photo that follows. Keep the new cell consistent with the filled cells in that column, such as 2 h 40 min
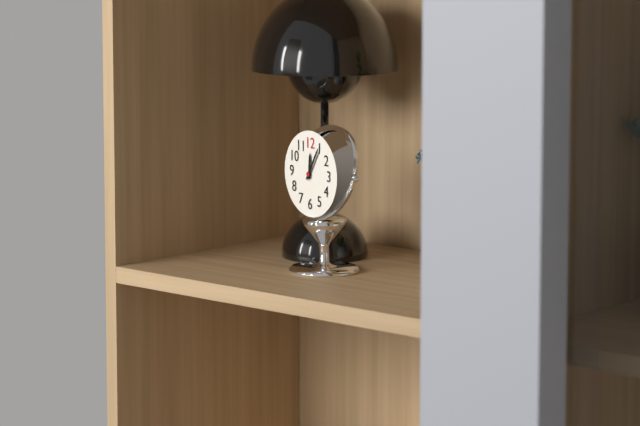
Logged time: 12 h 05 min
